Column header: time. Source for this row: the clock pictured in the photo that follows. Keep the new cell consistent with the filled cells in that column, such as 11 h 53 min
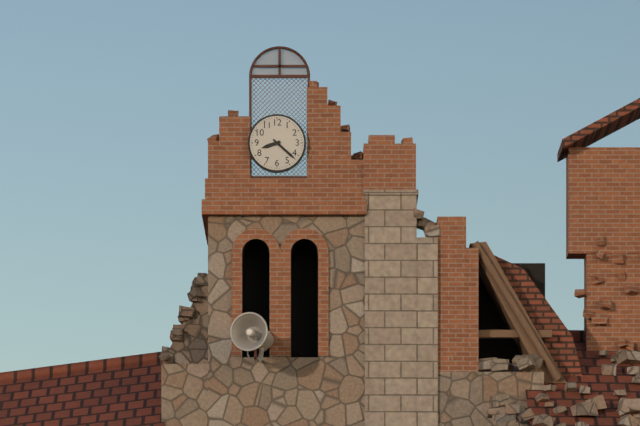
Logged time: 8 h 22 min
